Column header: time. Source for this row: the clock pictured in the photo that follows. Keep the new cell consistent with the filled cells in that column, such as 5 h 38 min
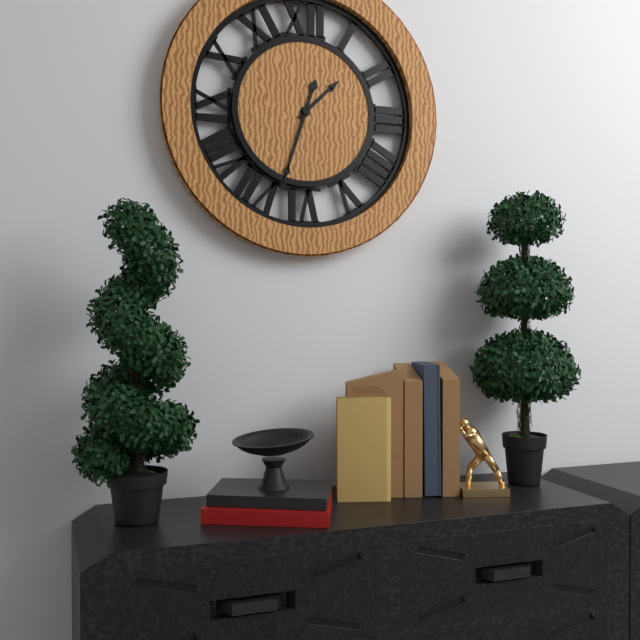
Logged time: 1 h 33 min
